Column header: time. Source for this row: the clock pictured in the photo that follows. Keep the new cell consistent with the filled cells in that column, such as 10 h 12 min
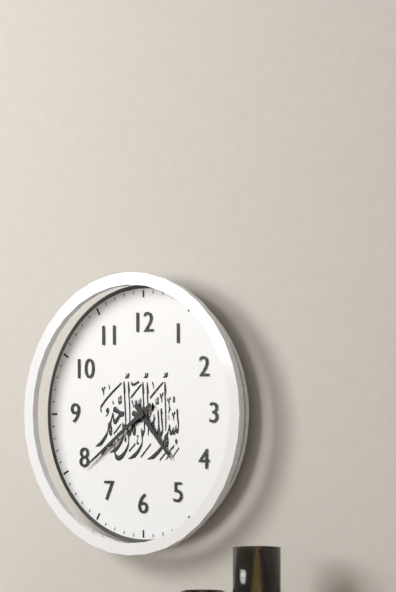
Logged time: 4 h 39 min
